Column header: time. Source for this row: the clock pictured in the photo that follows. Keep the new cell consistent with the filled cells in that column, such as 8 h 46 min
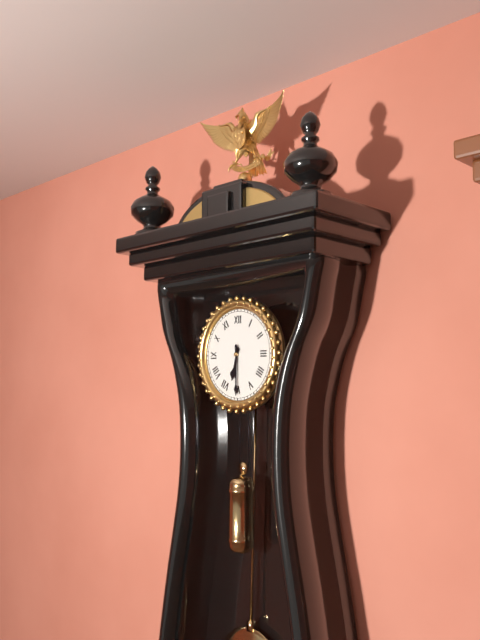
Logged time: 6 h 30 min
